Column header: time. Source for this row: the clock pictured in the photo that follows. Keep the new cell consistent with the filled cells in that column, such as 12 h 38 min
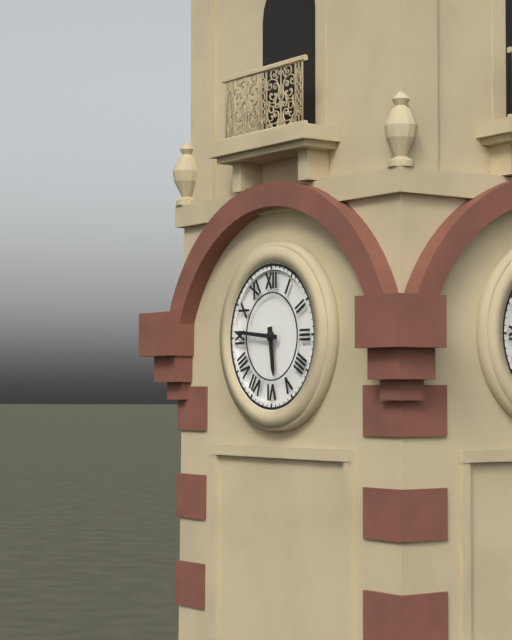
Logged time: 5 h 46 min
